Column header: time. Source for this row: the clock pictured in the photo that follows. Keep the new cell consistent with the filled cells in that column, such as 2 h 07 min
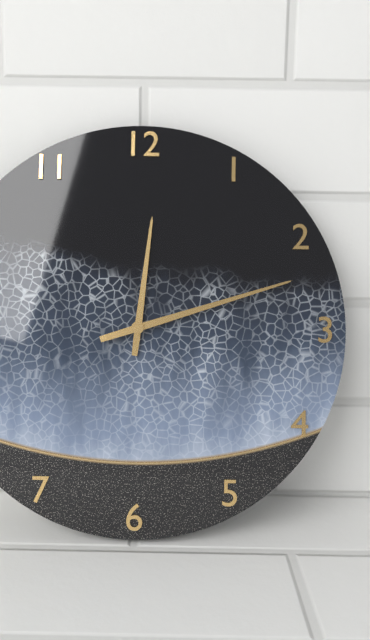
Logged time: 12 h 12 min
